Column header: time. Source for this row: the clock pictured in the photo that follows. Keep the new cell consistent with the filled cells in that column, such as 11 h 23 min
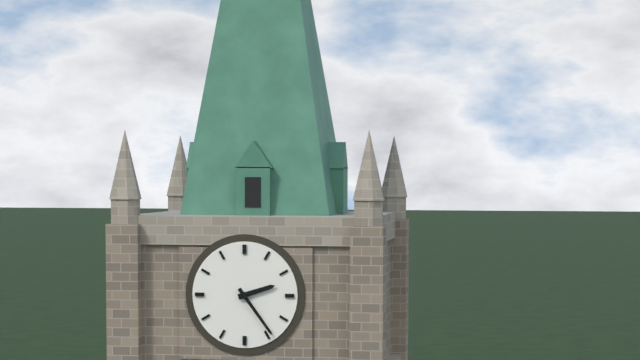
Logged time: 2 h 24 min
